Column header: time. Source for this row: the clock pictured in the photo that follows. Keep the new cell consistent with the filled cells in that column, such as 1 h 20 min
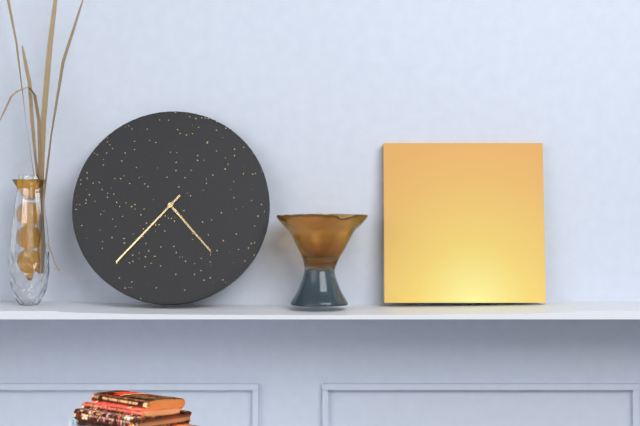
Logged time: 4 h 37 min
